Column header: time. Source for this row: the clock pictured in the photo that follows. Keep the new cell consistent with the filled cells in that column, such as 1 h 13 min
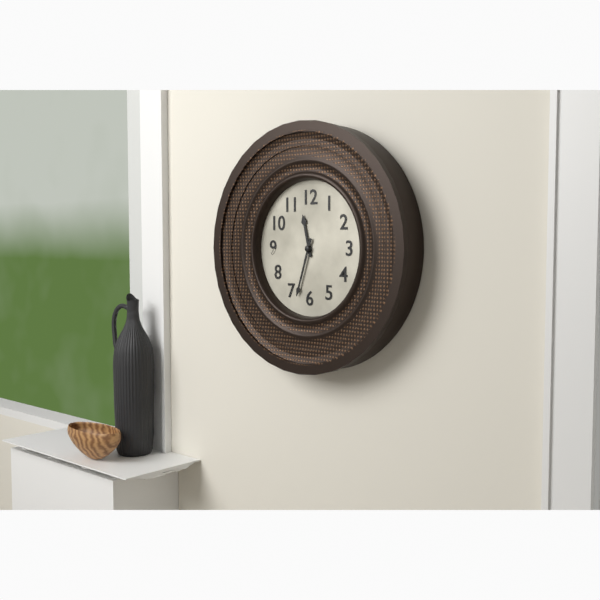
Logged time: 11 h 33 min
